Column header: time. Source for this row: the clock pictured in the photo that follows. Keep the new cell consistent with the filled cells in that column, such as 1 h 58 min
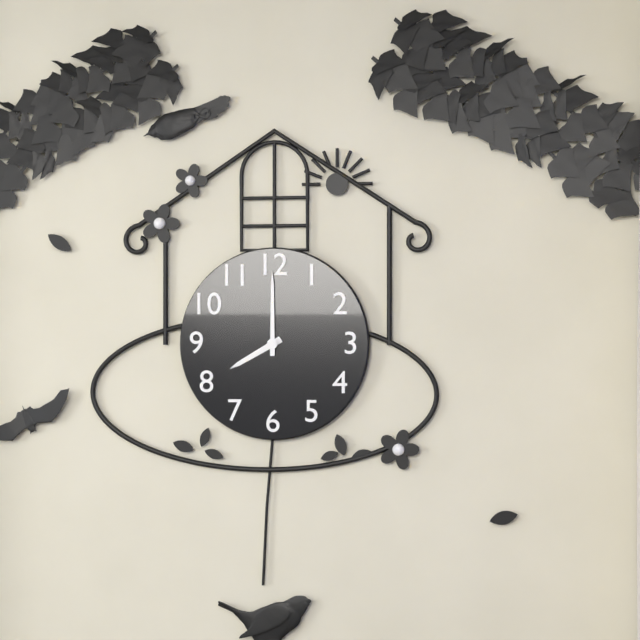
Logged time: 8 h 00 min
